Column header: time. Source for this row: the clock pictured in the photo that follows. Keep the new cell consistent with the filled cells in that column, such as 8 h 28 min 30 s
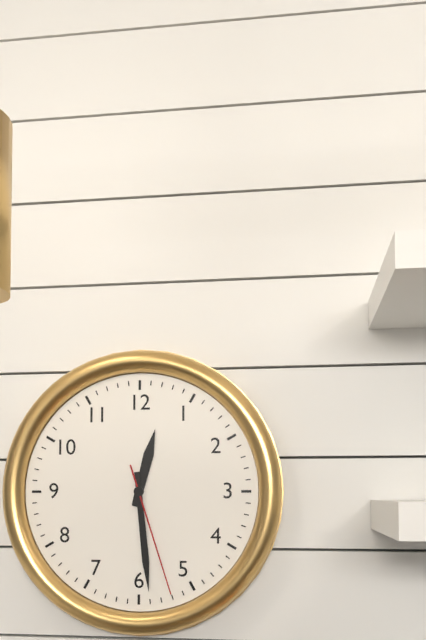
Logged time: 12 h 29 min 27 s
